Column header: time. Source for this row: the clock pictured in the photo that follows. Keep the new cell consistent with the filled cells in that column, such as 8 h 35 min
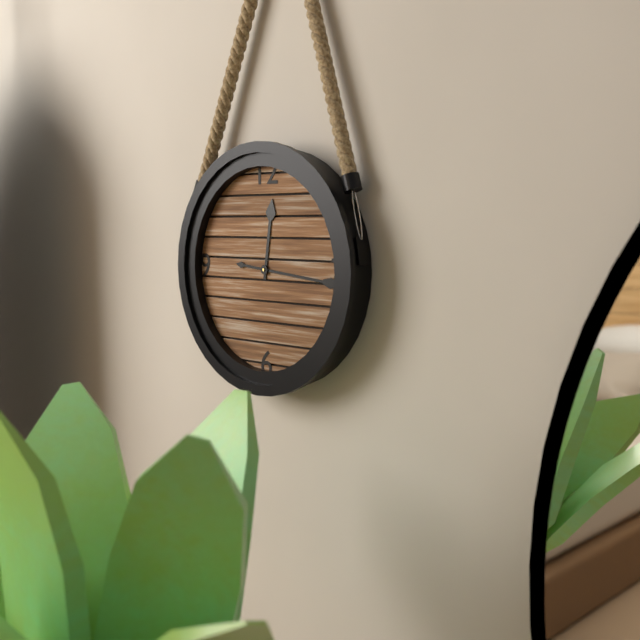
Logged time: 12 h 16 min
